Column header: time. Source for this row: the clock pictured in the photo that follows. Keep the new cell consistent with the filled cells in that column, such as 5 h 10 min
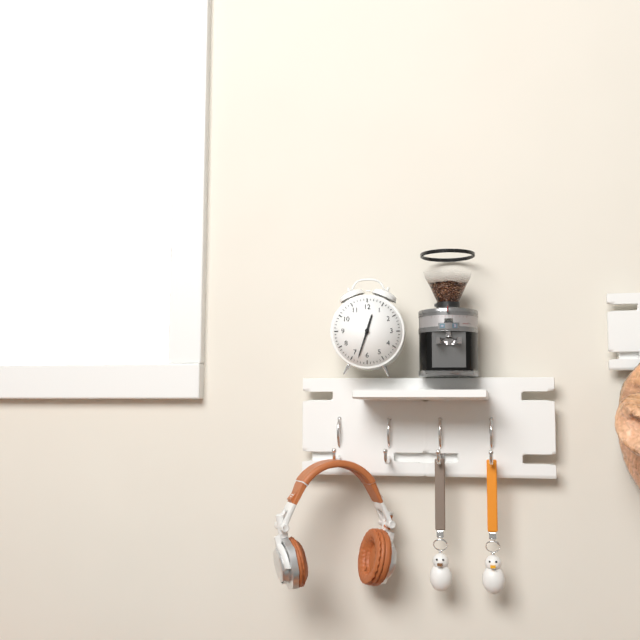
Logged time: 12 h 33 min
